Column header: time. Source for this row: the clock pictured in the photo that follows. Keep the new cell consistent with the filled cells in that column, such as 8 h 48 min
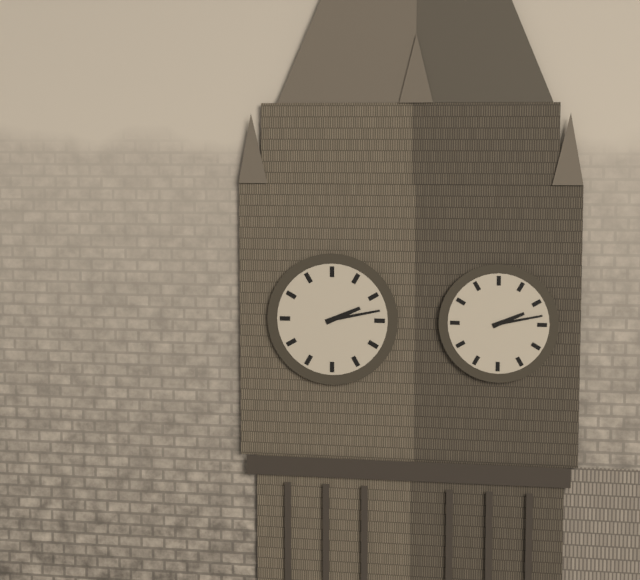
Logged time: 2 h 13 min
